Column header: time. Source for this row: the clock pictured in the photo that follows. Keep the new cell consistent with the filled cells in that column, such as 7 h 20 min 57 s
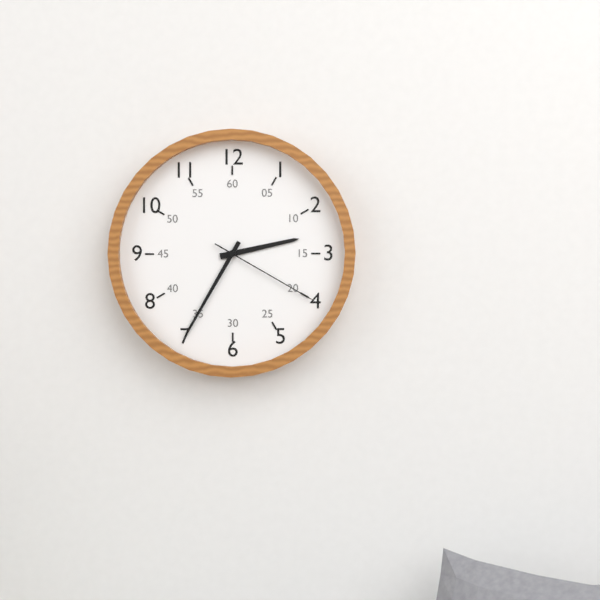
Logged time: 2 h 35 min 20 s
